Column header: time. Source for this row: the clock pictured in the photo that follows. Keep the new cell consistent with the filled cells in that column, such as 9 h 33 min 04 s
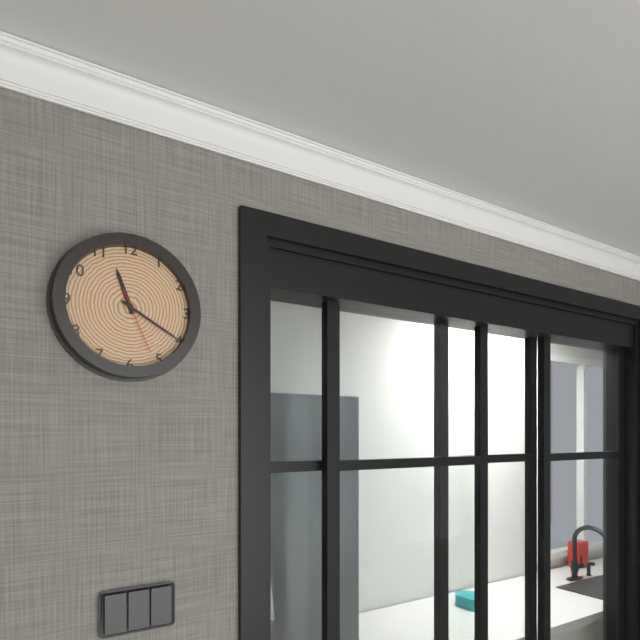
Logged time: 11 h 20 min 26 s
